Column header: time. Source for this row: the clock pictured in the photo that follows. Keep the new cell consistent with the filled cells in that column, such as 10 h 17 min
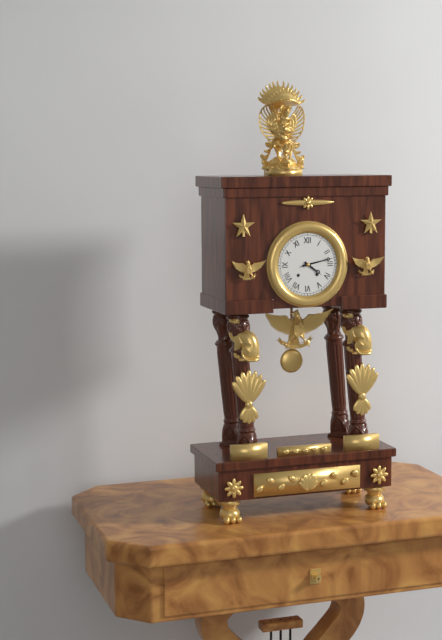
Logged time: 4 h 13 min
